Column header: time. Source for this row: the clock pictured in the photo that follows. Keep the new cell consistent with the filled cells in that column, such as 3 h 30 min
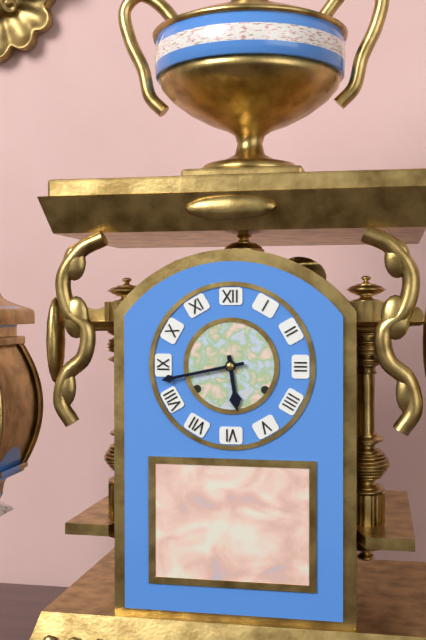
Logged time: 5 h 43 min
